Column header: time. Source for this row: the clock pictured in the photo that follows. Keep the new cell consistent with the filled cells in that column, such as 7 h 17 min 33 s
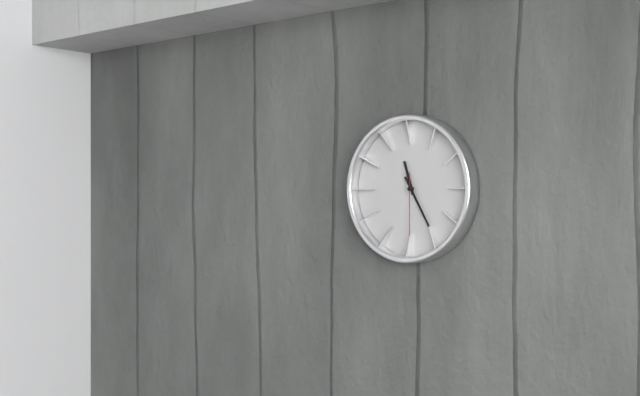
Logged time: 11 h 25 min 30 s
